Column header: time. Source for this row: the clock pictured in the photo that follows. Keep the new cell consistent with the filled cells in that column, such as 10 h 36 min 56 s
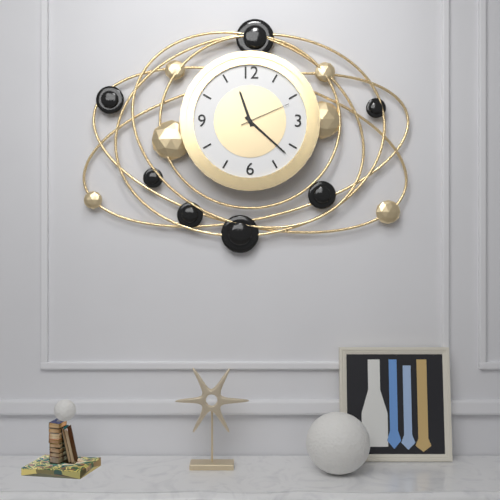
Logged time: 11 h 22 min 11 s
